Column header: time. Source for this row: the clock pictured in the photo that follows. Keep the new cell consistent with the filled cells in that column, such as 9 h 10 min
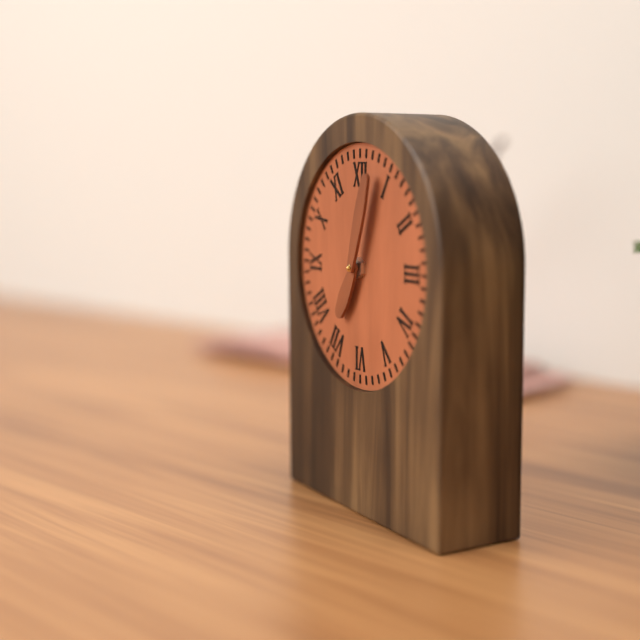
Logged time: 7 h 03 min
